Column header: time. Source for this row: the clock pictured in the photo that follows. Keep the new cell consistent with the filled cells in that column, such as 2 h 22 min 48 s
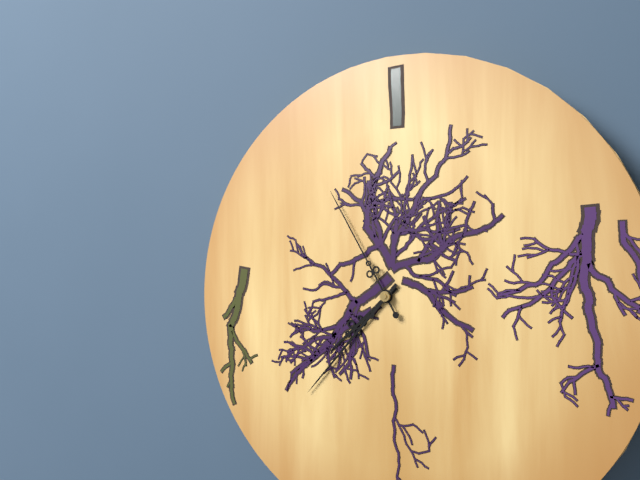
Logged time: 7 h 37 min 55 s
